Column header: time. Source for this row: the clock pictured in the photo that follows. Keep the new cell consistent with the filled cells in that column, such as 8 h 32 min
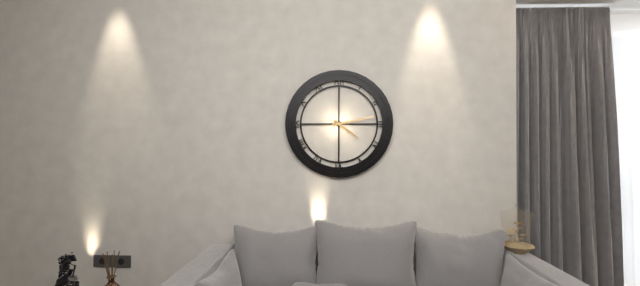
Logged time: 4 h 13 min
